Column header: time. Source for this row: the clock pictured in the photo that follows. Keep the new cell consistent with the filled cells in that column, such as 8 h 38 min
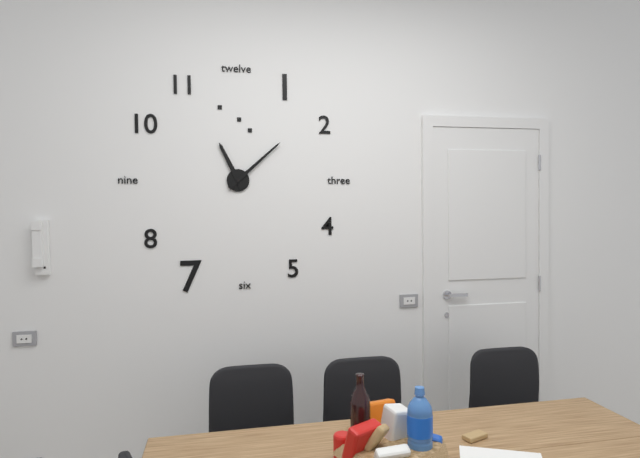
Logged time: 11 h 08 min
